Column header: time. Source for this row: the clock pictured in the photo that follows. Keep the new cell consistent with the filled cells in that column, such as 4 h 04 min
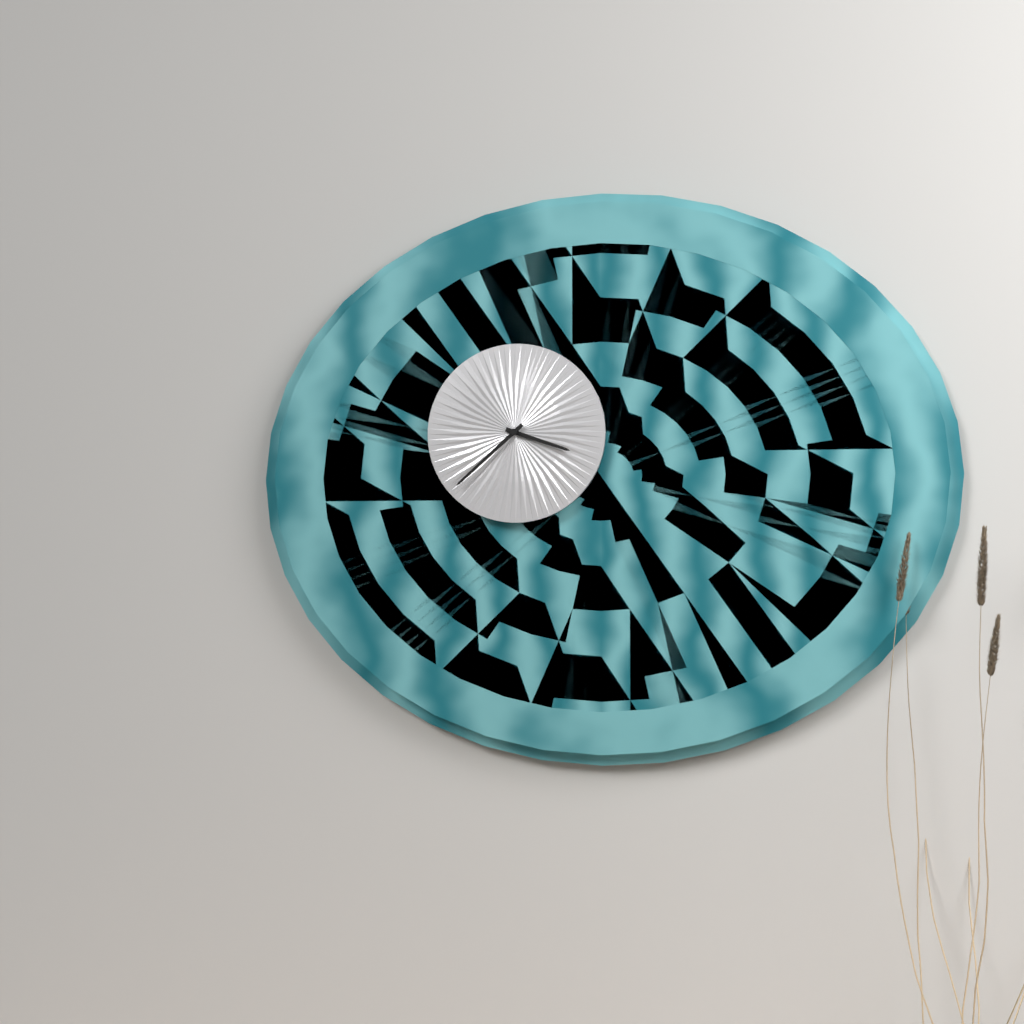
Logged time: 3 h 38 min
